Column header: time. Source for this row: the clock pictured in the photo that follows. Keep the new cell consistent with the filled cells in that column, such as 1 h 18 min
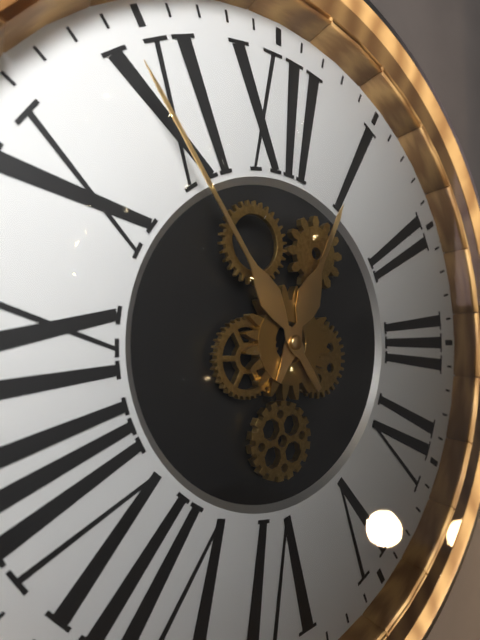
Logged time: 12 h 54 min
